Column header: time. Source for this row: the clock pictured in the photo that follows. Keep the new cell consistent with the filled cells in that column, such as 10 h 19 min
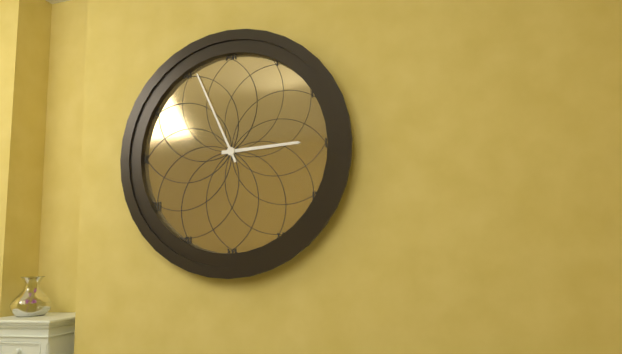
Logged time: 2 h 56 min
